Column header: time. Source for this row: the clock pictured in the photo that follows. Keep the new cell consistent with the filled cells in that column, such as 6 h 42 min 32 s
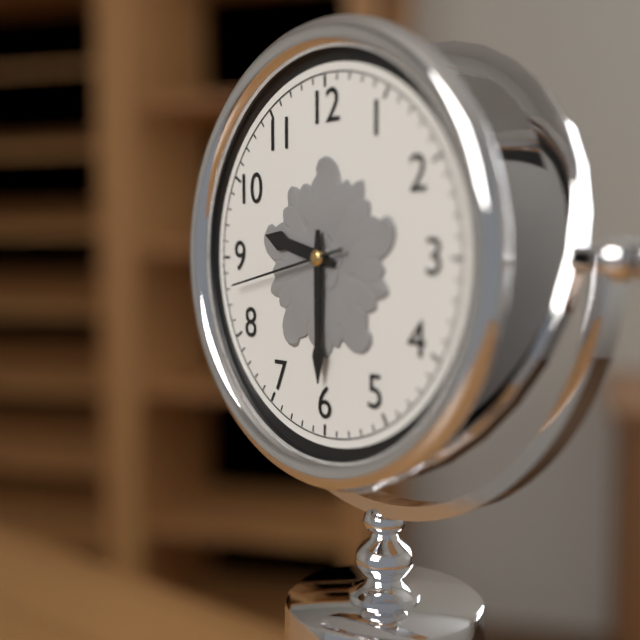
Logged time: 9 h 30 min 43 s
